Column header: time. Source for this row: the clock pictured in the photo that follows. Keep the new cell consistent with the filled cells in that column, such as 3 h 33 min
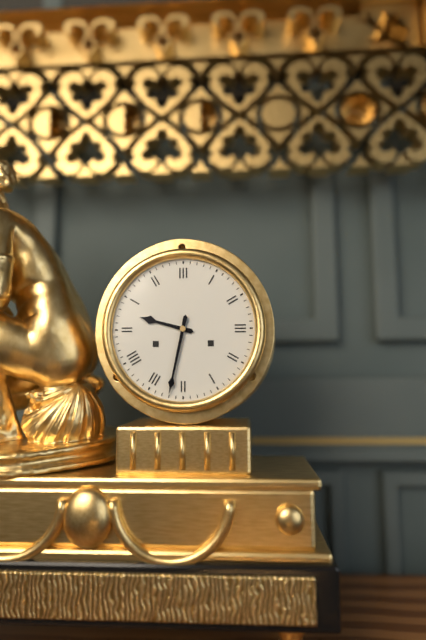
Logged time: 9 h 32 min
